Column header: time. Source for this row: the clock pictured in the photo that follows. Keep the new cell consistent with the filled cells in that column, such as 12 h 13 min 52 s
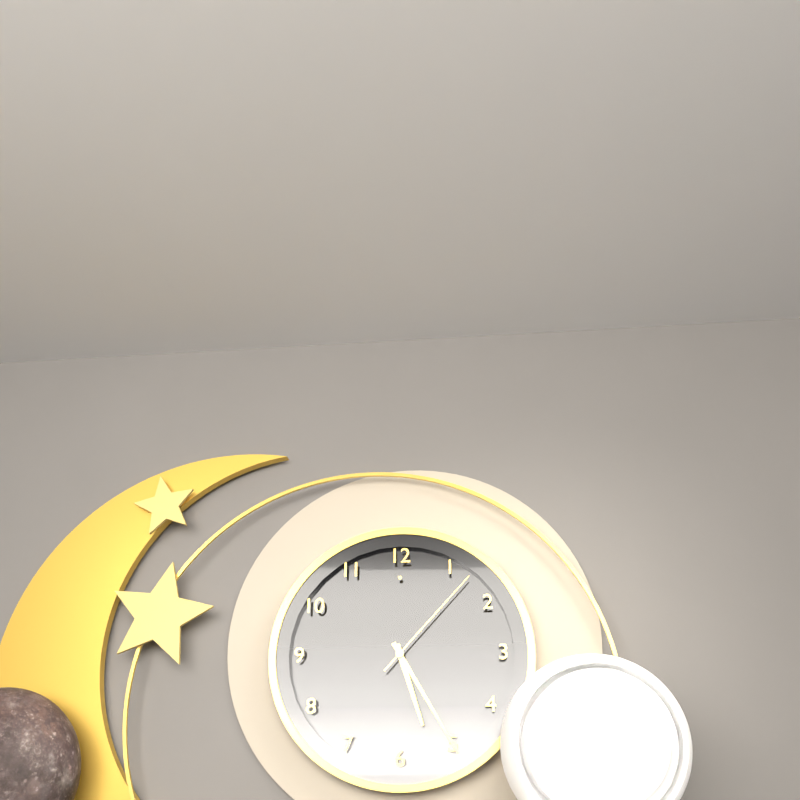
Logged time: 5 h 25 min 07 s
